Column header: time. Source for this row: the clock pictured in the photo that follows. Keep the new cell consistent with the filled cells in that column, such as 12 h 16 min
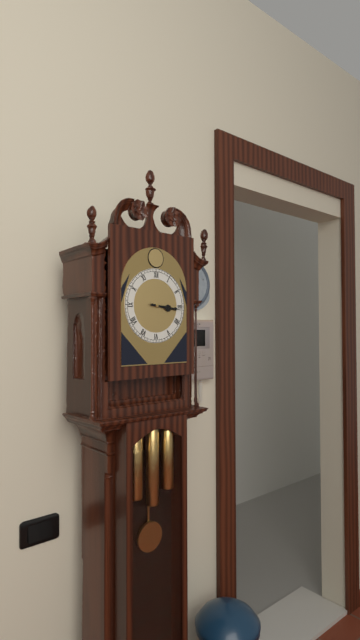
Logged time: 3 h 16 min
